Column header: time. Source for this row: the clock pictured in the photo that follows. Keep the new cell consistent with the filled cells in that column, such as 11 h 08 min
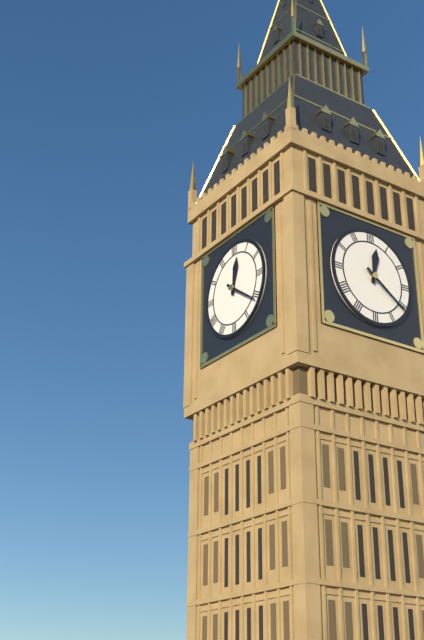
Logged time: 12 h 21 min
